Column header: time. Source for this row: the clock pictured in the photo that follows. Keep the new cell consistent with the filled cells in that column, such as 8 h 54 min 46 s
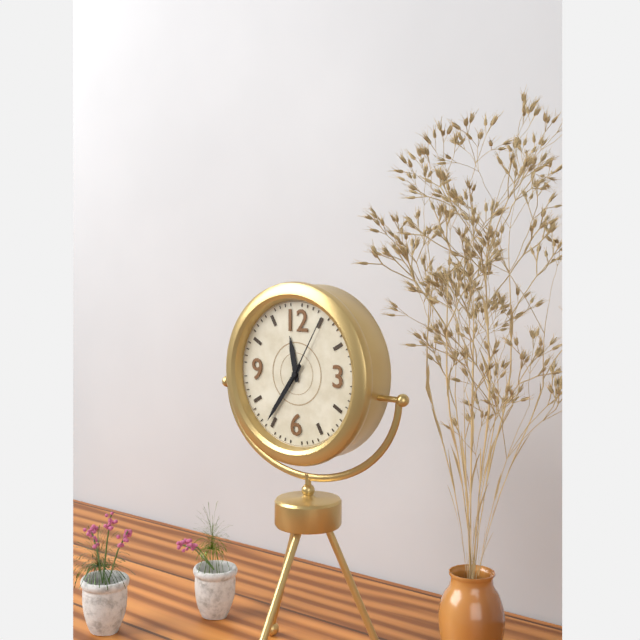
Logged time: 11 h 36 min 05 s
